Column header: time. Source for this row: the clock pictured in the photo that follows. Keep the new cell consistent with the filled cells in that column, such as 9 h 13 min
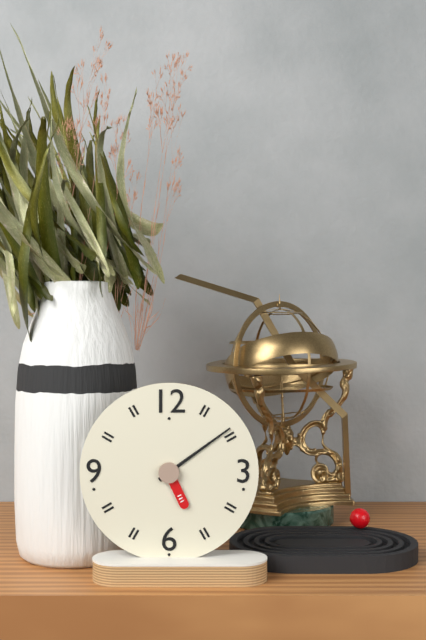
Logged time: 5 h 09 min
